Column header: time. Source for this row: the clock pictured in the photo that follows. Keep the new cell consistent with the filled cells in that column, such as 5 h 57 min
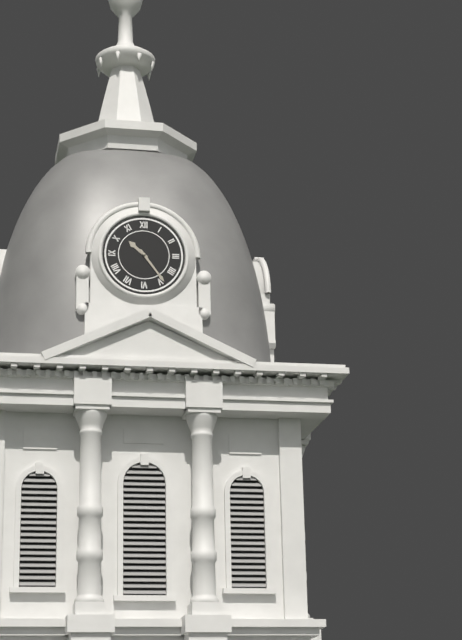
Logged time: 10 h 24 min
